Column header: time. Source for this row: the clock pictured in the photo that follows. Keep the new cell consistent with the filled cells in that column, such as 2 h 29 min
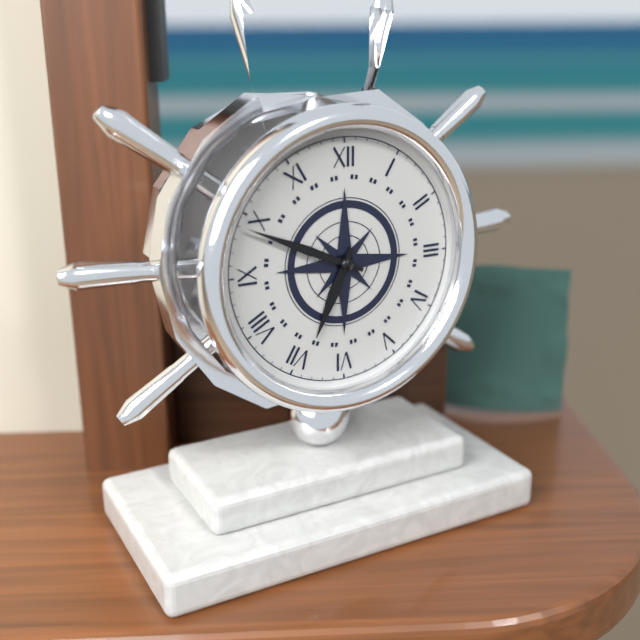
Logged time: 6 h 49 min
